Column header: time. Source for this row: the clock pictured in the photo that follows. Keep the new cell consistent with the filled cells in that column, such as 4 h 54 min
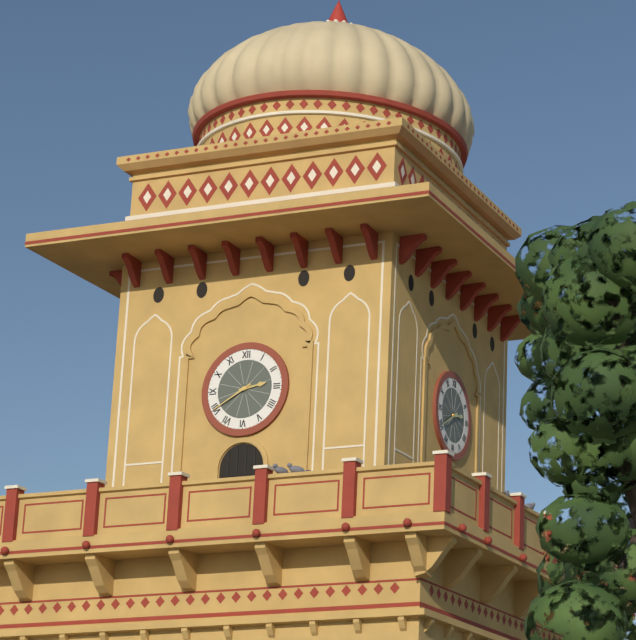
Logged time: 2 h 40 min
